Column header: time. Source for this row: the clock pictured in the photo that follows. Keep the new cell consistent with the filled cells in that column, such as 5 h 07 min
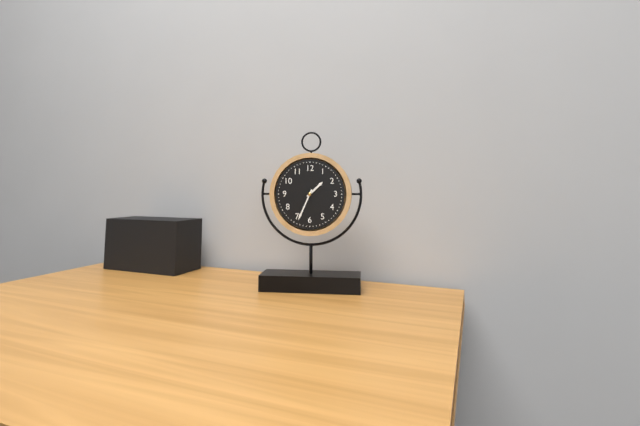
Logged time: 1 h 34 min
